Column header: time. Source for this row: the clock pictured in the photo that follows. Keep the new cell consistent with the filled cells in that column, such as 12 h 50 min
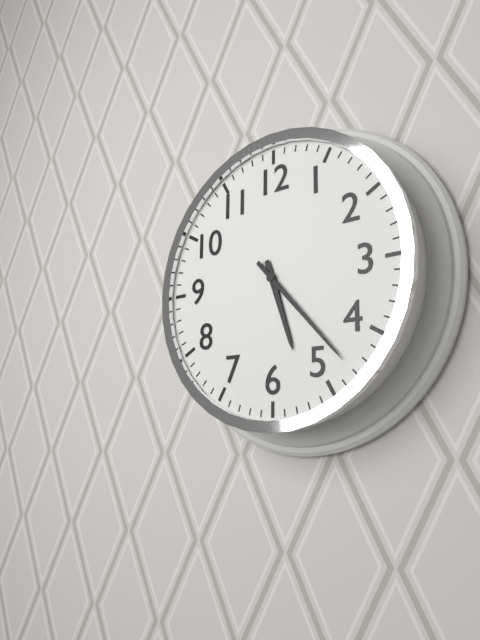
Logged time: 5 h 23 min
